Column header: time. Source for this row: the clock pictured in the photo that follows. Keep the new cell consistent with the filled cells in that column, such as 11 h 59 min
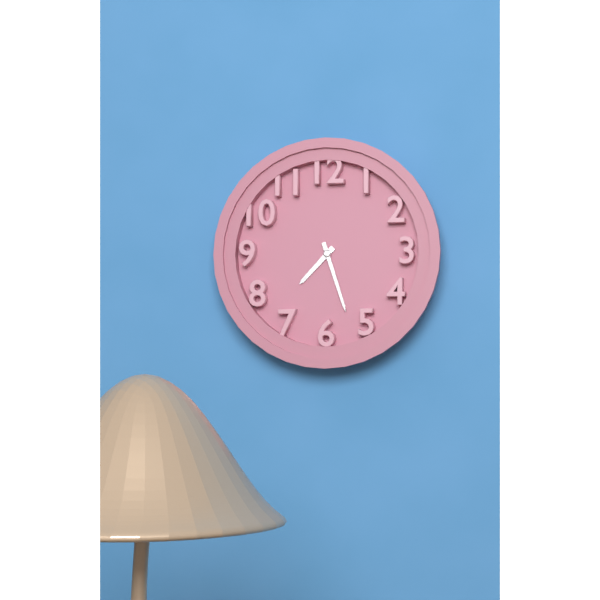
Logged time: 7 h 27 min
